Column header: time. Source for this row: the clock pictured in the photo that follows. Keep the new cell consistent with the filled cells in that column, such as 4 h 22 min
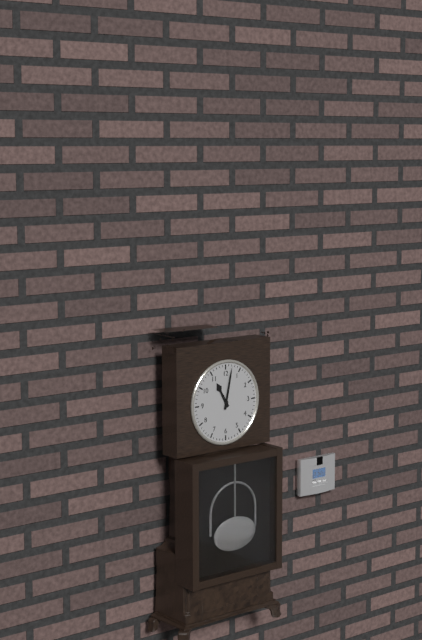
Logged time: 11 h 02 min
